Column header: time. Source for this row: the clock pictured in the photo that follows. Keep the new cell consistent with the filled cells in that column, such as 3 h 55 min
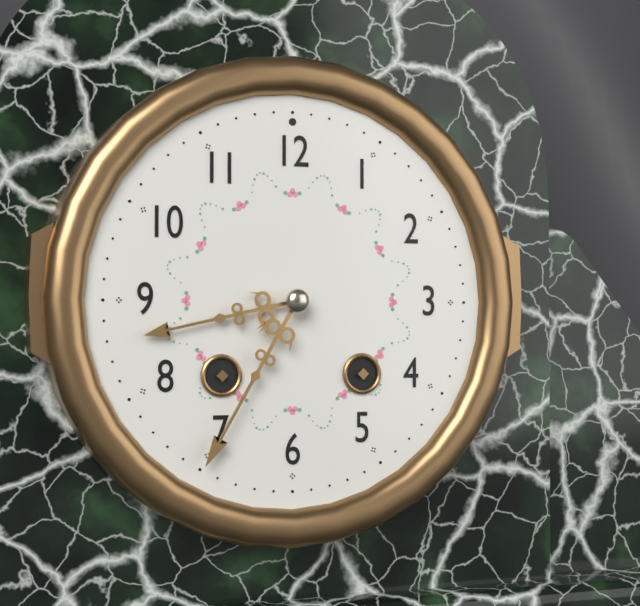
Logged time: 8 h 35 min
